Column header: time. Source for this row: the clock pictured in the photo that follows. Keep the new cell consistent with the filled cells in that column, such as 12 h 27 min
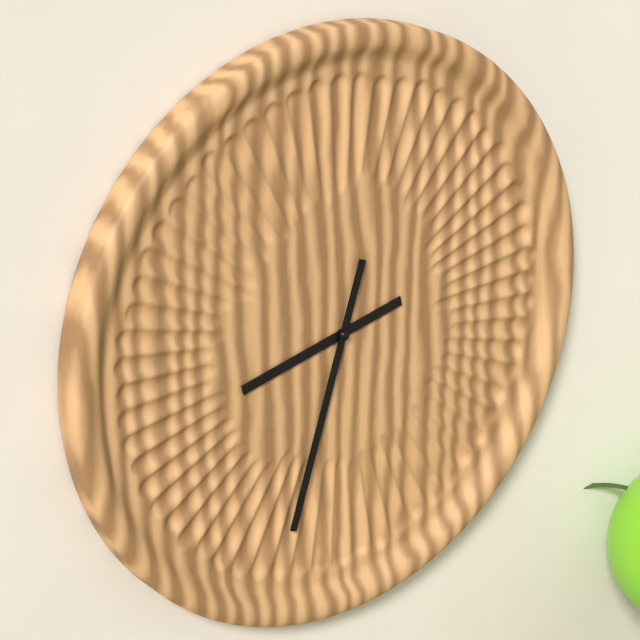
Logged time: 8 h 33 min
